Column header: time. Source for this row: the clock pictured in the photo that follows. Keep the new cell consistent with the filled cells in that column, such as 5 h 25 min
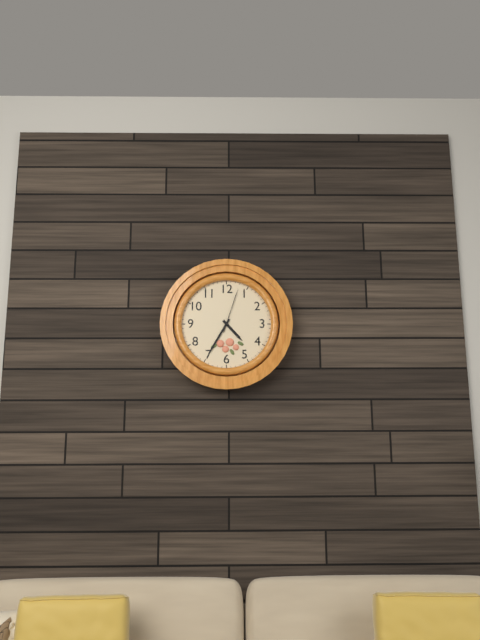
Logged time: 4 h 35 min
